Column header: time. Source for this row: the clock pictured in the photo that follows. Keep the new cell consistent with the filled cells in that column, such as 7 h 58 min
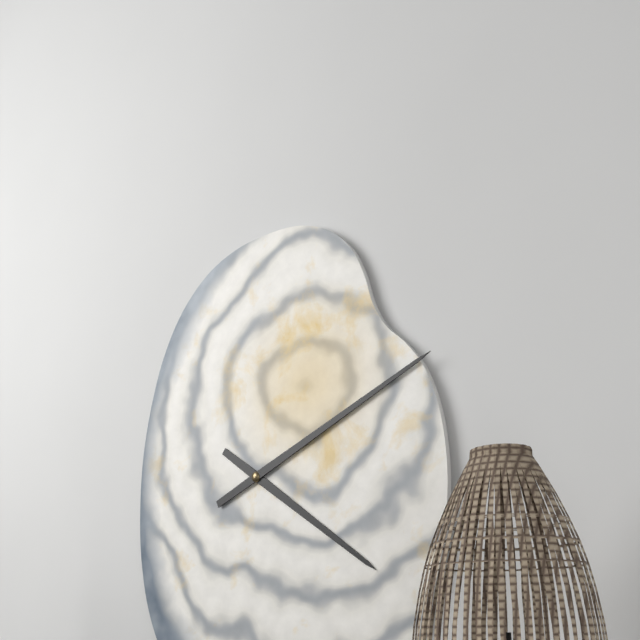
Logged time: 4 h 11 min
